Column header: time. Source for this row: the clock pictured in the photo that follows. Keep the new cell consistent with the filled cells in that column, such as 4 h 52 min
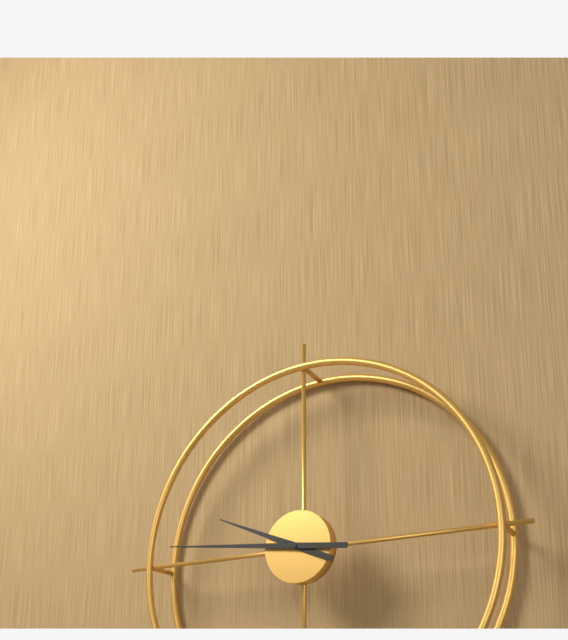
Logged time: 9 h 46 min
